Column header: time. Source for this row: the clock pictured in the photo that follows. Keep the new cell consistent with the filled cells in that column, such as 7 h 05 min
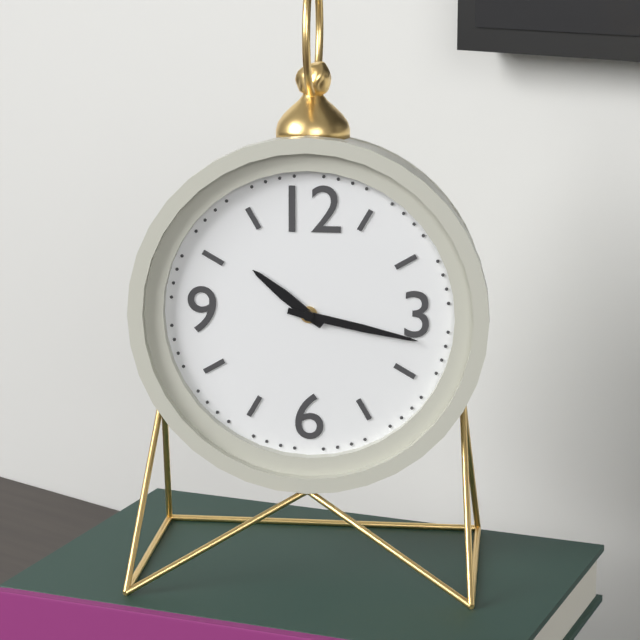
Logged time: 10 h 17 min
